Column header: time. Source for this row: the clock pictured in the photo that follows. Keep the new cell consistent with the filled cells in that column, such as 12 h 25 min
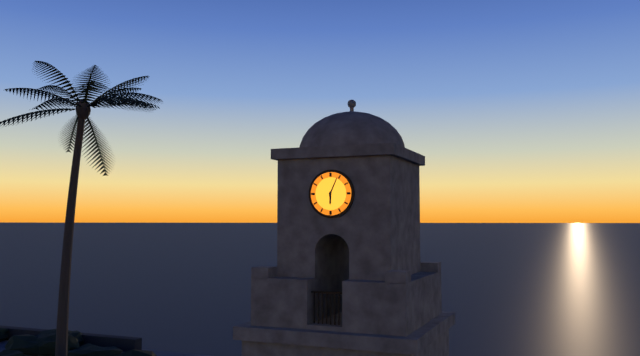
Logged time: 6 h 04 min
